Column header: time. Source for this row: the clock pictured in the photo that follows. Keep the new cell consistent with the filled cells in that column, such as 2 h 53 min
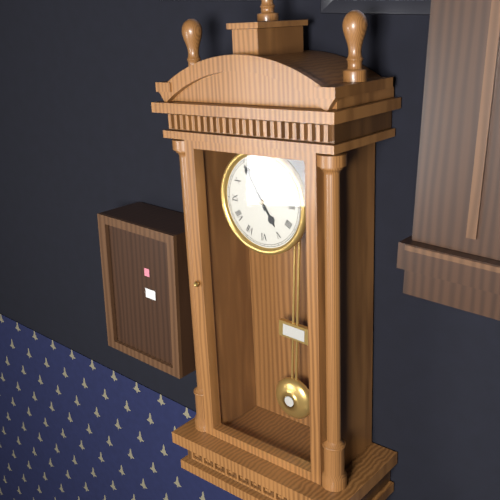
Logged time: 4 h 55 min
